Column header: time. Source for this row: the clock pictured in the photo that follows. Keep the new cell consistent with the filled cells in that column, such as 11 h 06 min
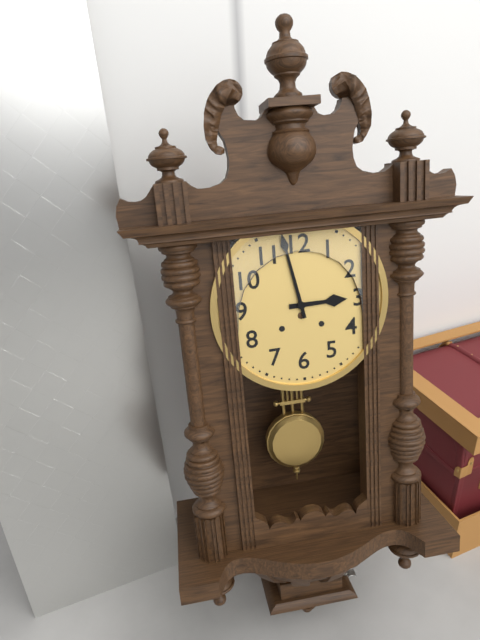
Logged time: 2 h 58 min
